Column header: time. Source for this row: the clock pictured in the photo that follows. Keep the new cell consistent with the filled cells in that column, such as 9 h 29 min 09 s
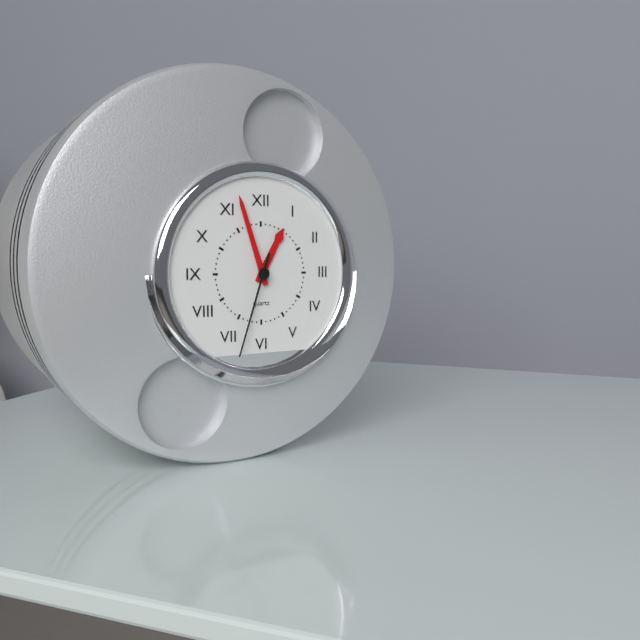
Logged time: 12 h 57 min 33 s
